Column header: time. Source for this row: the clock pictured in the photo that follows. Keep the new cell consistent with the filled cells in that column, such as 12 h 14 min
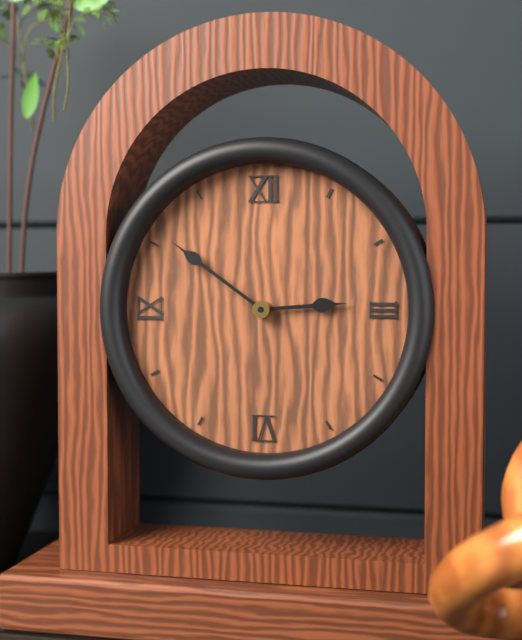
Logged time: 2 h 51 min
